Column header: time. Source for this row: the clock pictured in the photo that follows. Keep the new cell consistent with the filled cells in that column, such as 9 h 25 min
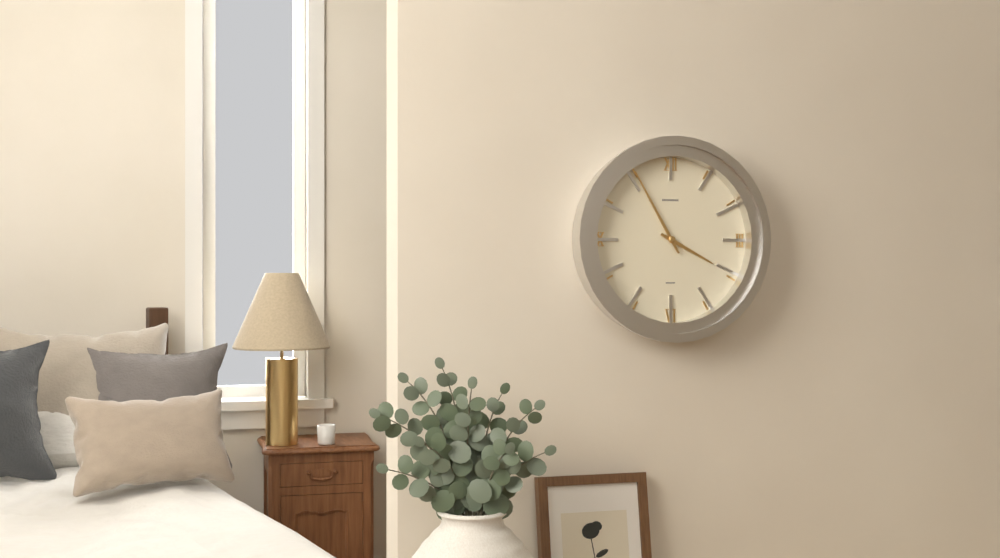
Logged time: 3 h 55 min
